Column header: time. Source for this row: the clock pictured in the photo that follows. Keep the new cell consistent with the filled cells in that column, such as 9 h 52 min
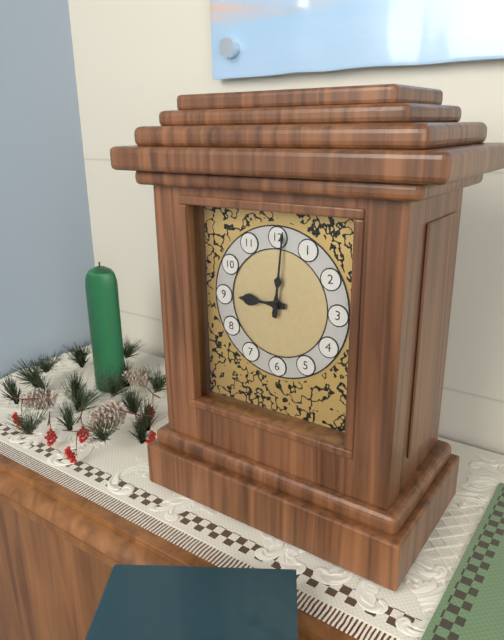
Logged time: 9 h 01 min
